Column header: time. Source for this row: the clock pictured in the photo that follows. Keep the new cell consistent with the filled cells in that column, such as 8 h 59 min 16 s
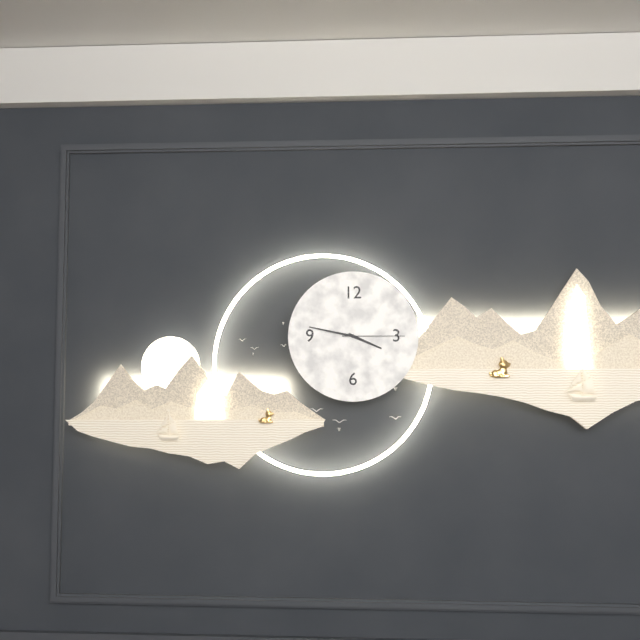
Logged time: 3 h 47 min 15 s
